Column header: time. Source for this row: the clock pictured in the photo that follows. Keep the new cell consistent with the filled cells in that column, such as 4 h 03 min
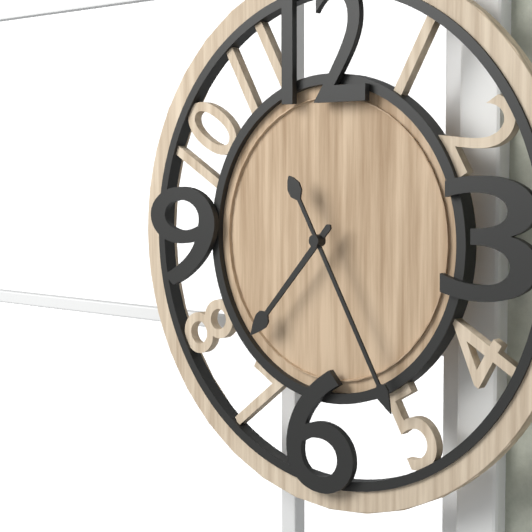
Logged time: 7 h 25 min
